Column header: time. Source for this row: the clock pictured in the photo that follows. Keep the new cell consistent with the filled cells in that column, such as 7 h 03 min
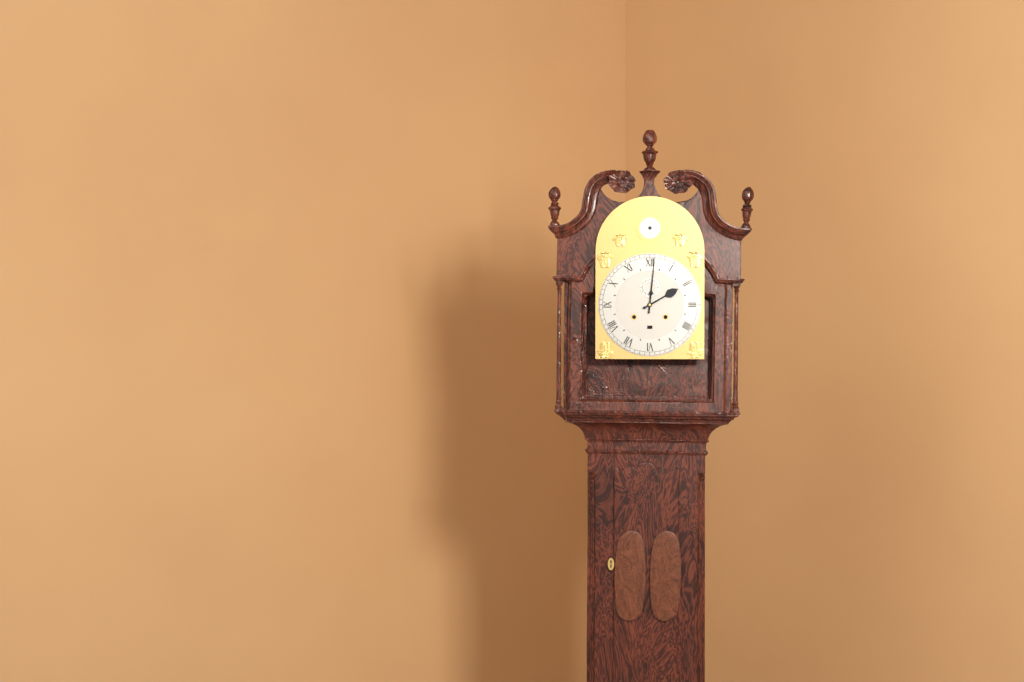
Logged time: 2 h 01 min
